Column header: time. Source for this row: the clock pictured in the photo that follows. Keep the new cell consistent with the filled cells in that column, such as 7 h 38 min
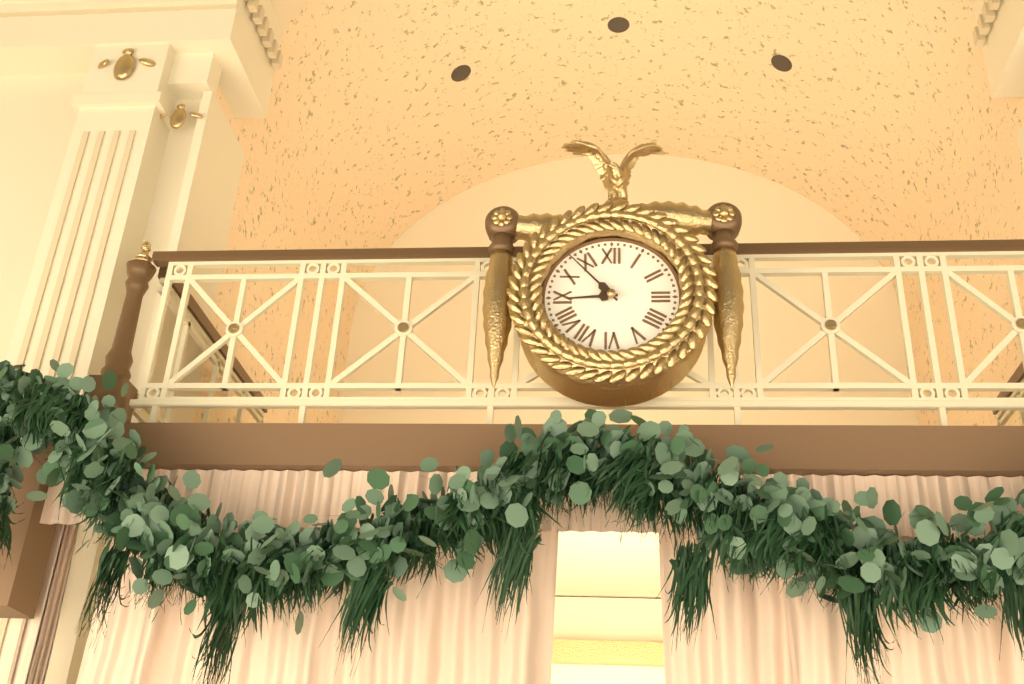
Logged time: 8 h 53 min
